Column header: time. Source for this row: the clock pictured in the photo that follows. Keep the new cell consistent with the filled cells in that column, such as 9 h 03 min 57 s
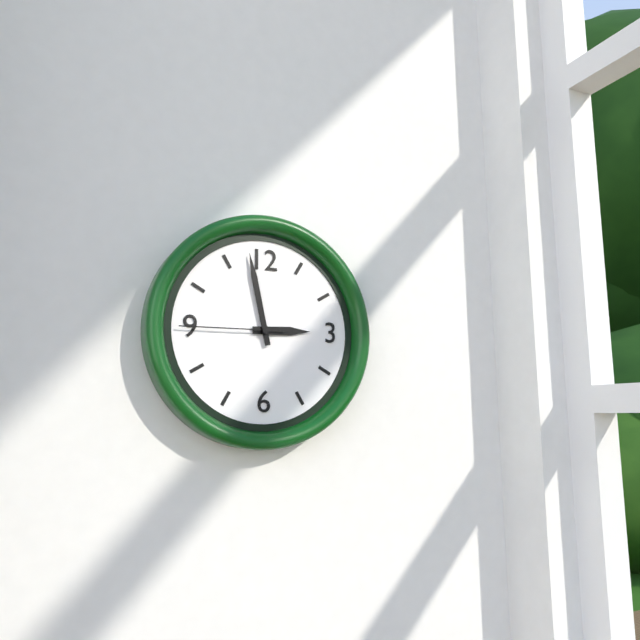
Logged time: 2 h 58 min 45 s
